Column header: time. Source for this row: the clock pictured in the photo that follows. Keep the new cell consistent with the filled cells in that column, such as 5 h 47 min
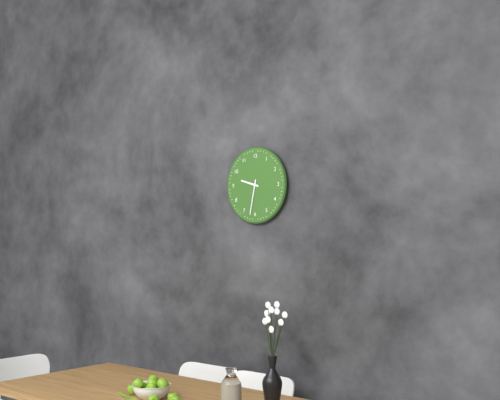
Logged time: 9 h 32 min
